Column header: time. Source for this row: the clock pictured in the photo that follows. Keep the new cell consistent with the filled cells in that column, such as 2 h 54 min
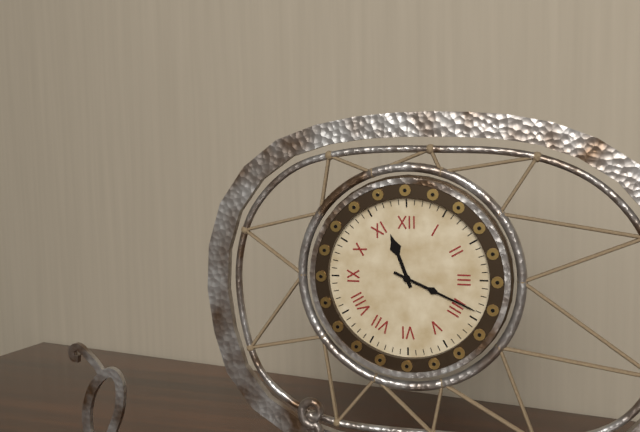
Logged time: 11 h 19 min
